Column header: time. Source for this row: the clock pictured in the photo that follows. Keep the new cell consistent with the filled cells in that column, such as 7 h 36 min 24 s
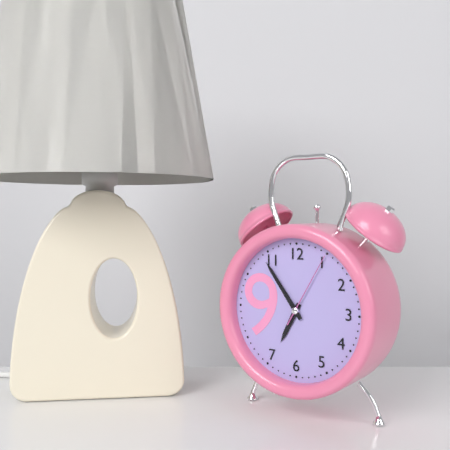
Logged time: 6 h 54 min 05 s
